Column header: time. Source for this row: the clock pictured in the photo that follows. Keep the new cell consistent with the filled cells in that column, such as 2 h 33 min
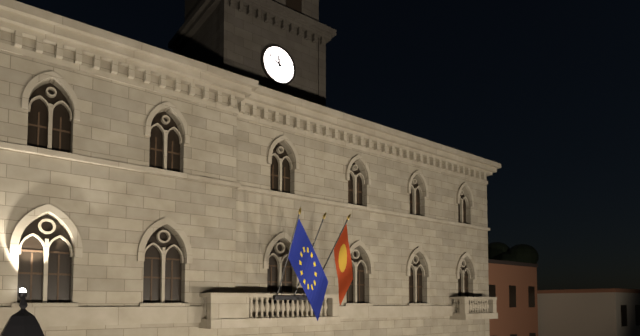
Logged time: 11 h 50 min
